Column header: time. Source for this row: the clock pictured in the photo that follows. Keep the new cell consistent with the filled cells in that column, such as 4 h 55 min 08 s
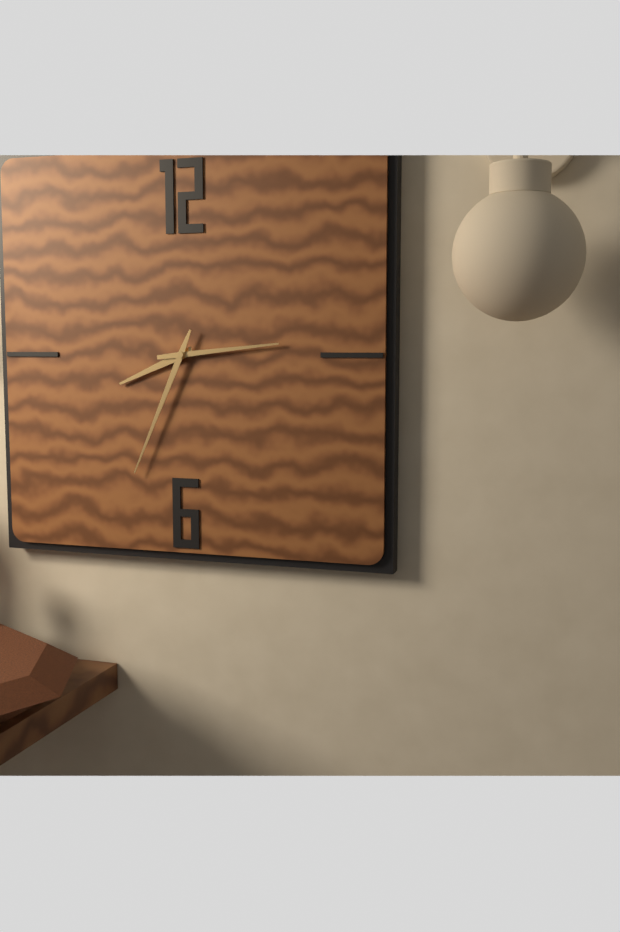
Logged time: 8 h 14 min 34 s
